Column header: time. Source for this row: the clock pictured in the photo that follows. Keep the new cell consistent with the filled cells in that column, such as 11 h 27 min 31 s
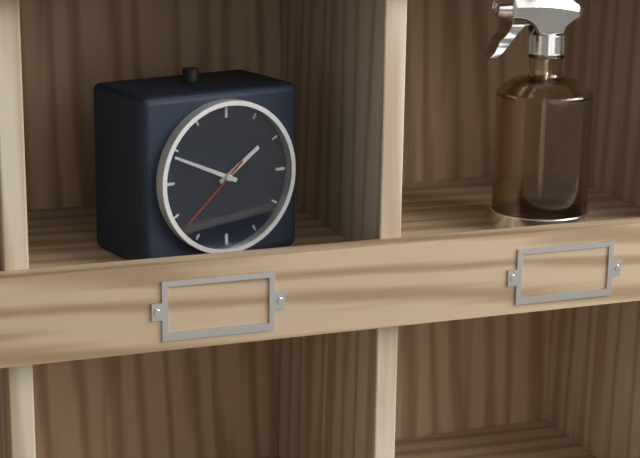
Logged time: 1 h 49 min 38 s
